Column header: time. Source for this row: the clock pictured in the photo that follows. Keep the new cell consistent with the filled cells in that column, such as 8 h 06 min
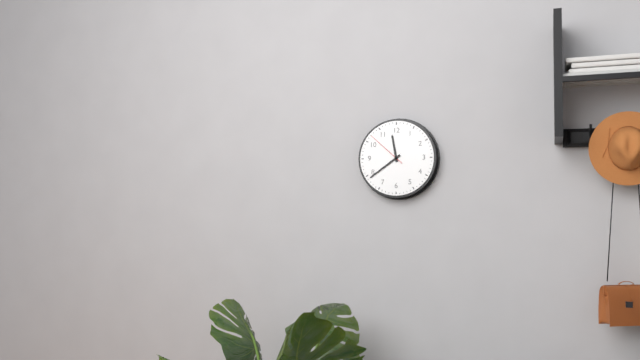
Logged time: 11 h 39 min
